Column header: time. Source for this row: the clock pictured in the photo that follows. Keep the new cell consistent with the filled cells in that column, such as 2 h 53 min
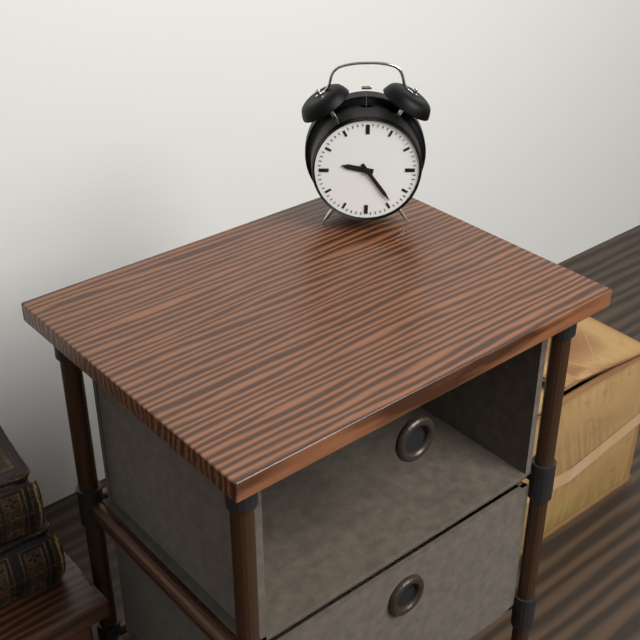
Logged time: 9 h 24 min
